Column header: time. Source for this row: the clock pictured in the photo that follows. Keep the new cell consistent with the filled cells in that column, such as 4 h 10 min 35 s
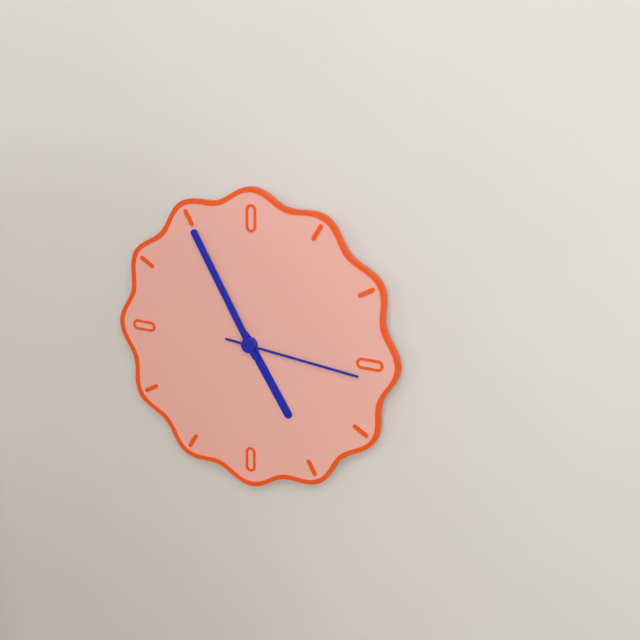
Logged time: 4 h 55 min 16 s
